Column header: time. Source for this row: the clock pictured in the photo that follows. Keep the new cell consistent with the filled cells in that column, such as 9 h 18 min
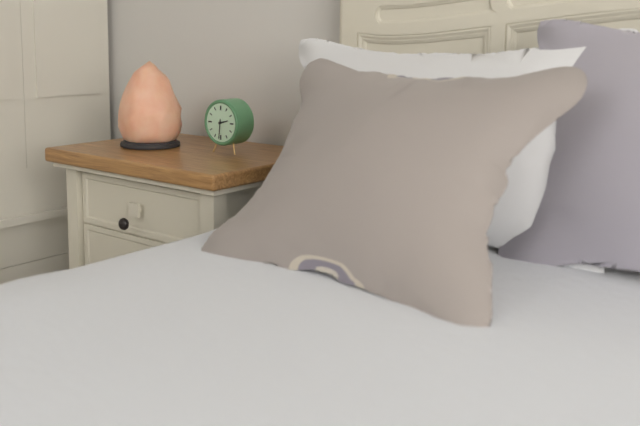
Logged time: 2 h 31 min
